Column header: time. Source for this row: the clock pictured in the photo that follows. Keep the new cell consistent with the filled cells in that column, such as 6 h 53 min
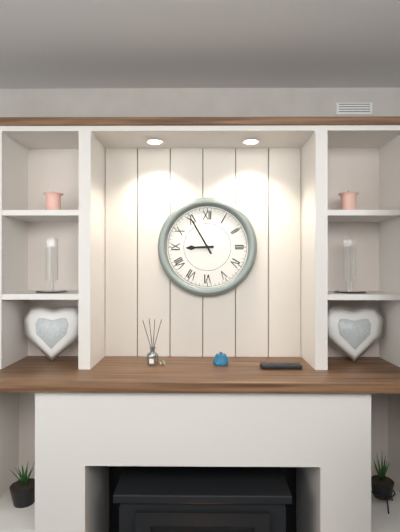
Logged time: 8 h 55 min
